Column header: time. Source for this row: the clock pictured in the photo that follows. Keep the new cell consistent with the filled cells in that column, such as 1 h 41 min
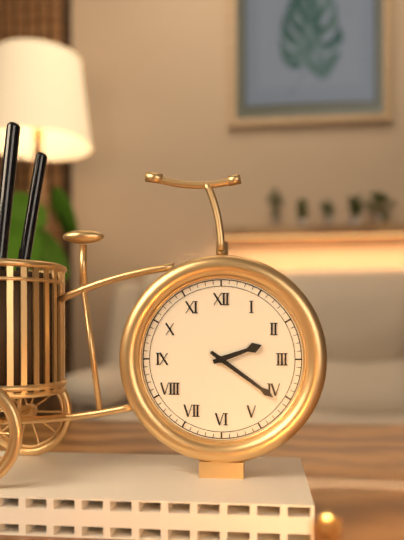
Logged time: 2 h 21 min
